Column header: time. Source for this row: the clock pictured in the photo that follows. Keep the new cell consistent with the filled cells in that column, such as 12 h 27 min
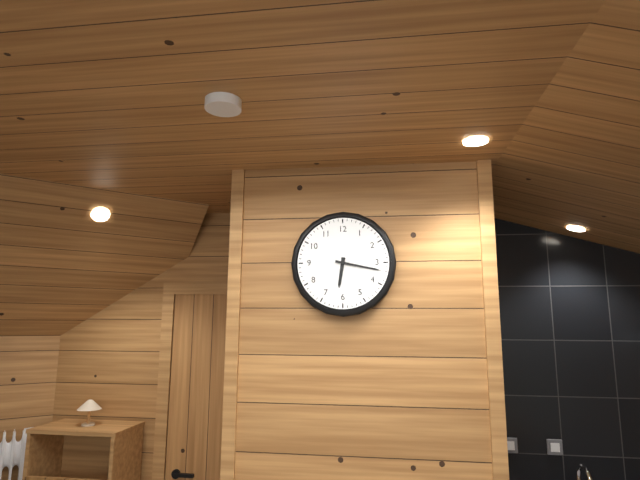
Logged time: 6 h 17 min
